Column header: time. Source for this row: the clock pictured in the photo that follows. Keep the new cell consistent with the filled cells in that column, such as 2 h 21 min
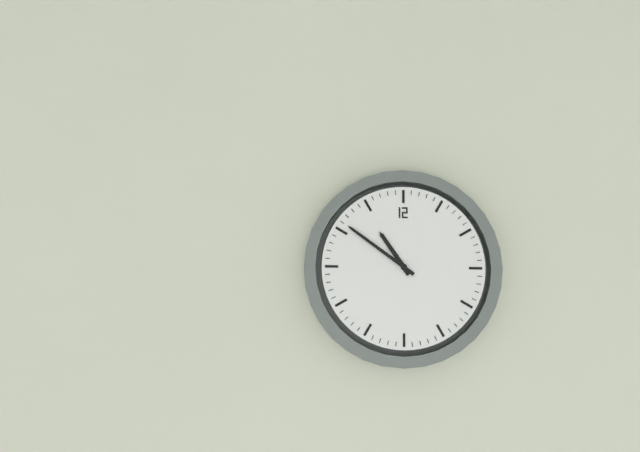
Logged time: 10 h 51 min
